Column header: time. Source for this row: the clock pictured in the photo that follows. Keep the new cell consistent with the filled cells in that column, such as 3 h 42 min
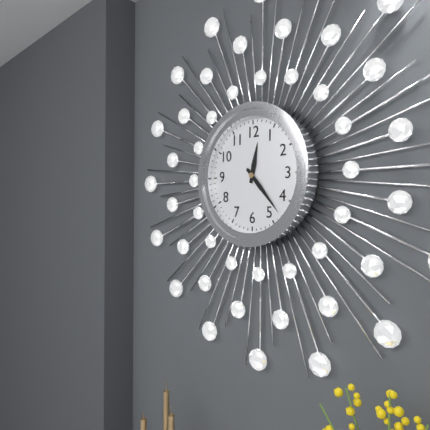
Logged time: 12 h 23 min
